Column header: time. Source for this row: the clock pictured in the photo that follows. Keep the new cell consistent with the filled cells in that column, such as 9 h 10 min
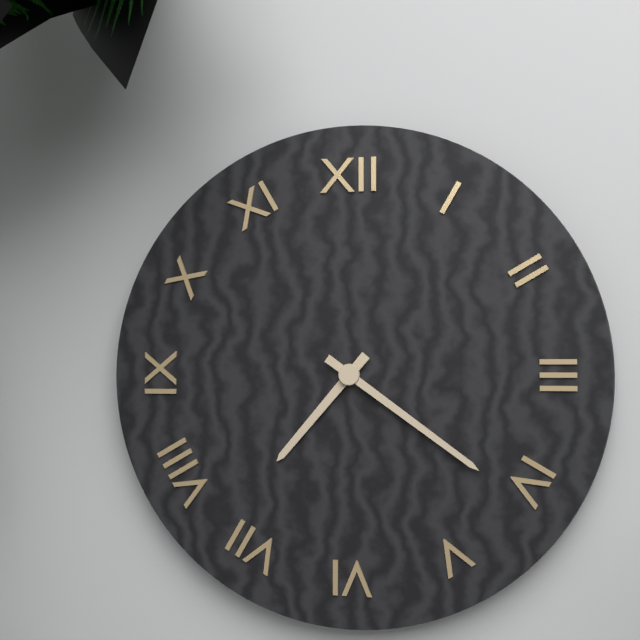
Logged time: 7 h 21 min
